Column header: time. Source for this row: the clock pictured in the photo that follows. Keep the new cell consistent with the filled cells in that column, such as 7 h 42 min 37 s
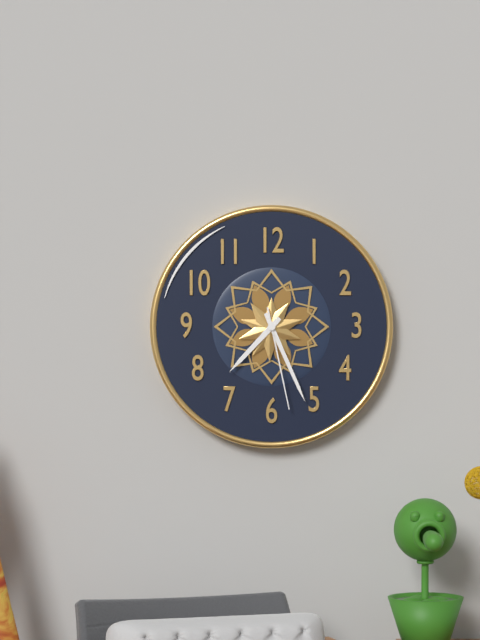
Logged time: 7 h 26 min 28 s
